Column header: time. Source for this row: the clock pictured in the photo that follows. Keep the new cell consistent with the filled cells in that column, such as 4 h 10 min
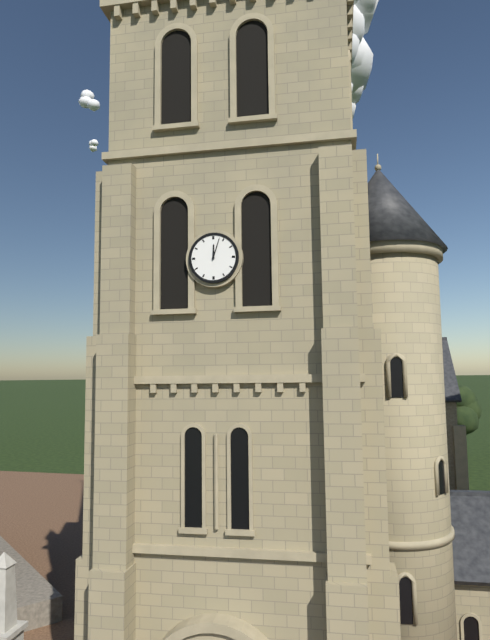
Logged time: 12 h 03 min
